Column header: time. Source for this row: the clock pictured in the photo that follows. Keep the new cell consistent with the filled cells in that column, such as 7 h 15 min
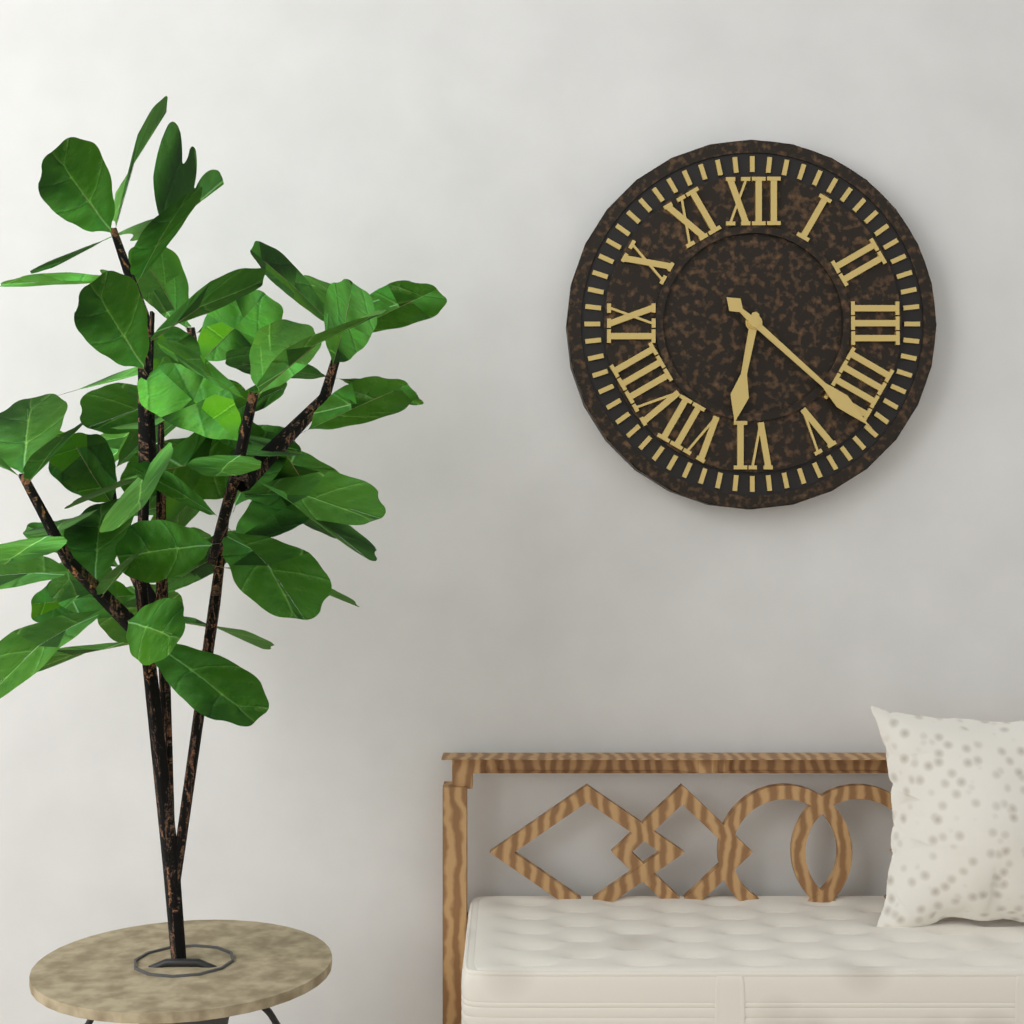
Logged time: 6 h 22 min
